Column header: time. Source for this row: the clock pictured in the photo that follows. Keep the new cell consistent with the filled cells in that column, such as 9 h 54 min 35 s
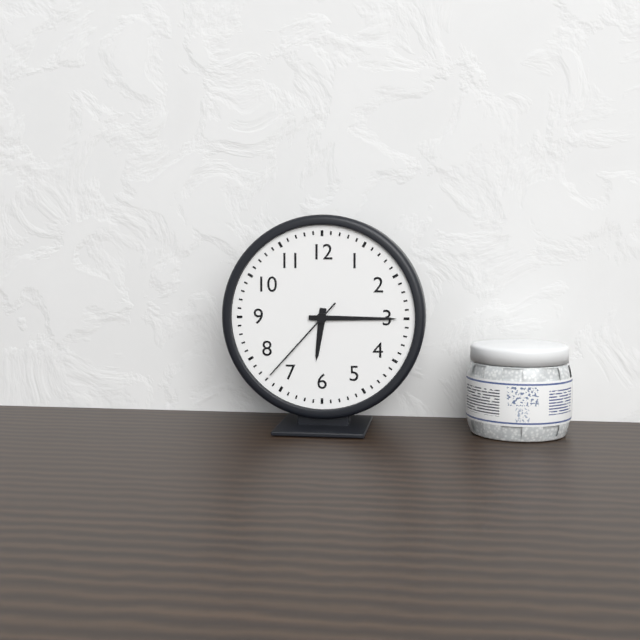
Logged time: 6 h 15 min 37 s
